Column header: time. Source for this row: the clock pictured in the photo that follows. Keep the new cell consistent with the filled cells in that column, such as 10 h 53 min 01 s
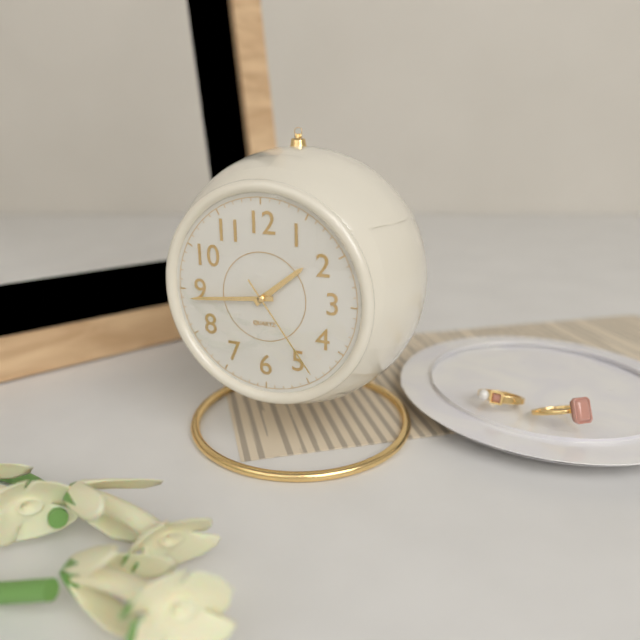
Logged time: 1 h 44 min 24 s
